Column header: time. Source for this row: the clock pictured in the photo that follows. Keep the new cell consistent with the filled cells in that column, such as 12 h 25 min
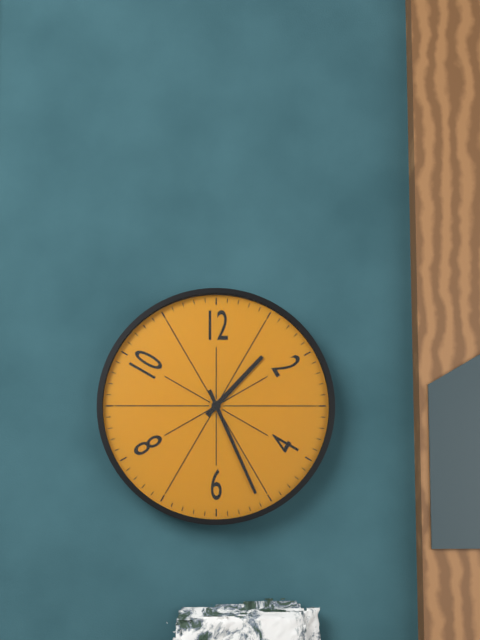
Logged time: 1 h 26 min
